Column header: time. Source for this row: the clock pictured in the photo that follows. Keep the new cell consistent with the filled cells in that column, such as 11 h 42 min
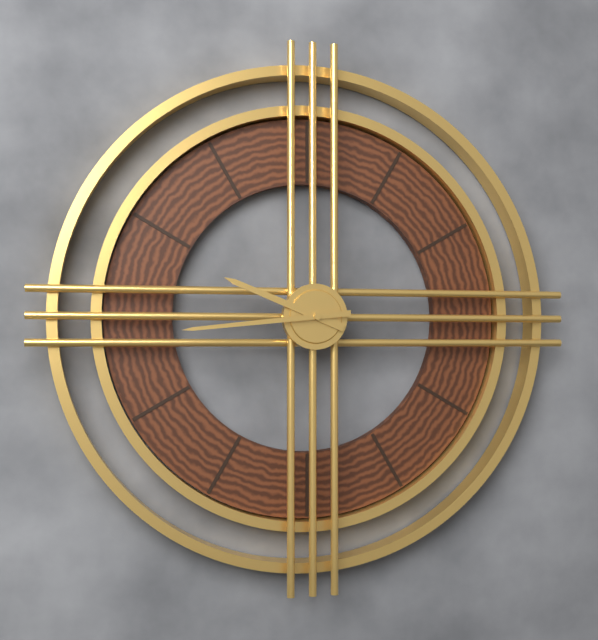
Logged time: 9 h 44 min
